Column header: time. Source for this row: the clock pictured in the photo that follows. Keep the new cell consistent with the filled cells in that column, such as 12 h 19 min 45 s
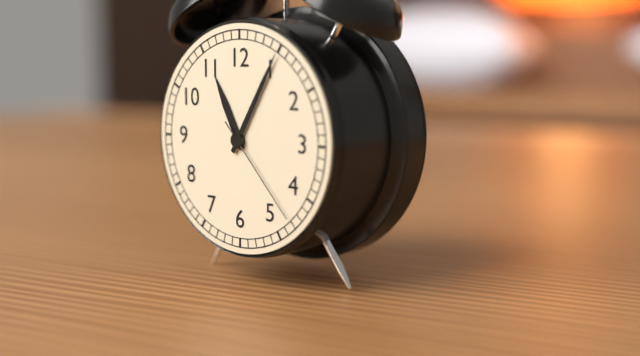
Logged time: 11 h 05 min 23 s
